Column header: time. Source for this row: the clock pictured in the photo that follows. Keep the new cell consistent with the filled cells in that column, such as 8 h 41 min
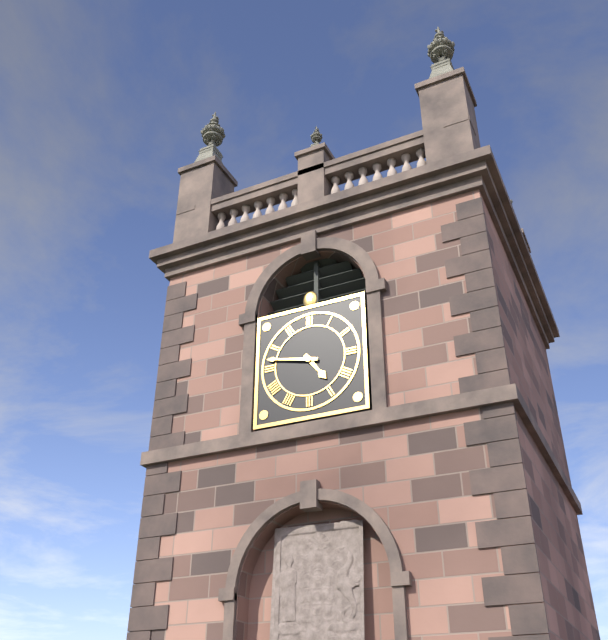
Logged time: 4 h 47 min
